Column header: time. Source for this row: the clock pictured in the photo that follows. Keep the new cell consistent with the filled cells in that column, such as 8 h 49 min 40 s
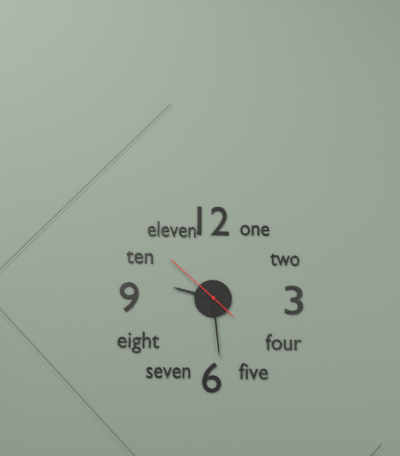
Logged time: 9 h 29 min 52 s
